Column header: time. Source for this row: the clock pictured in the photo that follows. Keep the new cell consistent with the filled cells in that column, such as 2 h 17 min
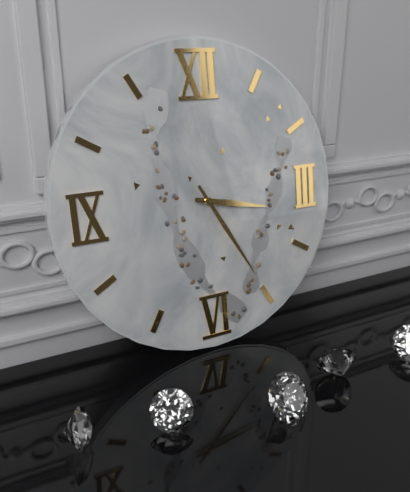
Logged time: 3 h 25 min
